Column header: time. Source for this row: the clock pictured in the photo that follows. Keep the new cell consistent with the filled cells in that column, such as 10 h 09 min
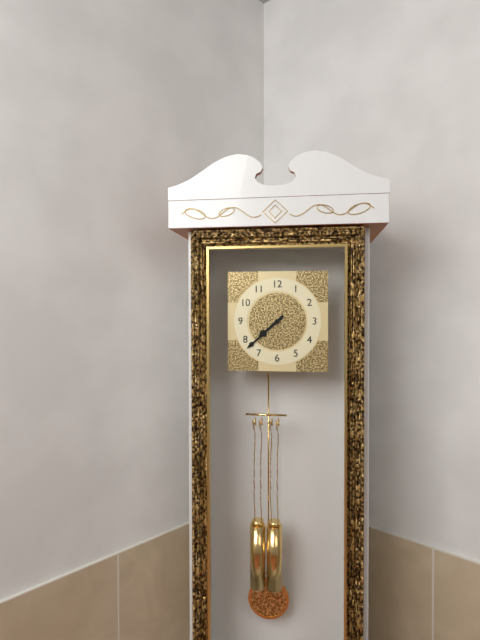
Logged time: 7 h 38 min
